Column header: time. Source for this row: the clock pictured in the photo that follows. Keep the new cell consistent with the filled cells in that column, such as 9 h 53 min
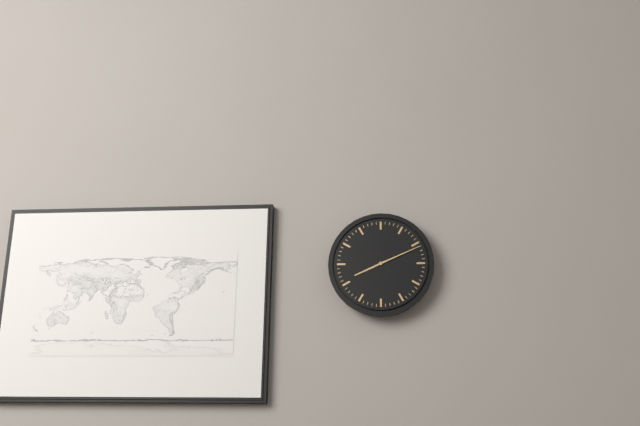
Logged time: 8 h 11 min
